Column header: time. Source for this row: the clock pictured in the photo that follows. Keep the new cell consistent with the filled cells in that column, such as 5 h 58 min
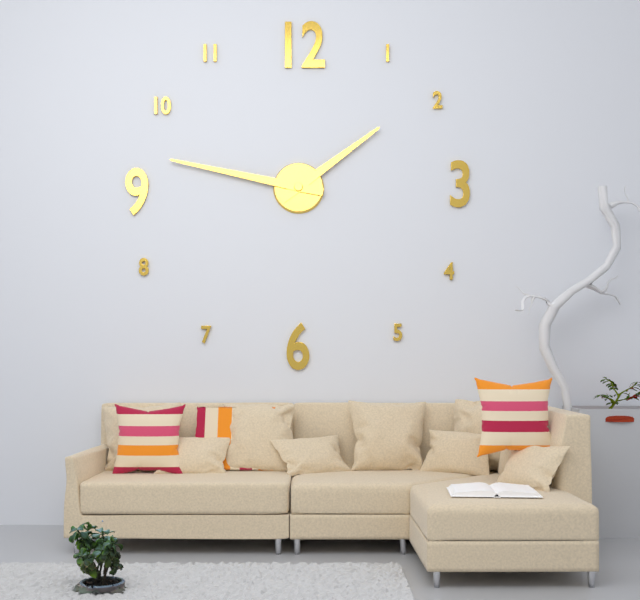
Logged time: 1 h 47 min
